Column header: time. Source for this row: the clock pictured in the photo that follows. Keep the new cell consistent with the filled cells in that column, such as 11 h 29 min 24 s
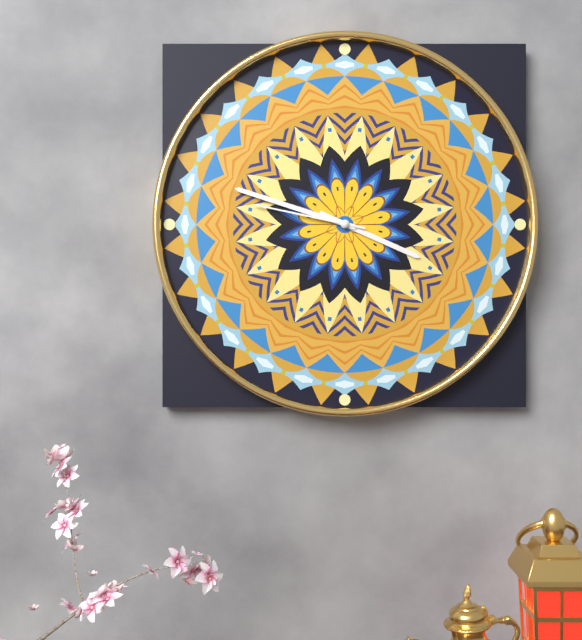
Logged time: 3 h 48 min 47 s
